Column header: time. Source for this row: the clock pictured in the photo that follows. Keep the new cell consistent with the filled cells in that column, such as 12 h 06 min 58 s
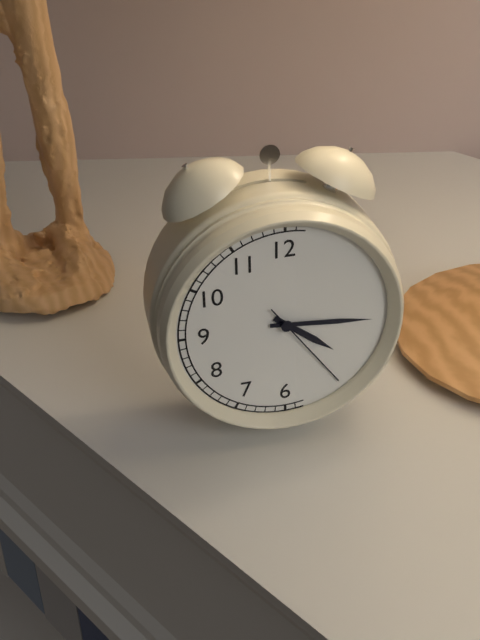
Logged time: 4 h 16 min 24 s
